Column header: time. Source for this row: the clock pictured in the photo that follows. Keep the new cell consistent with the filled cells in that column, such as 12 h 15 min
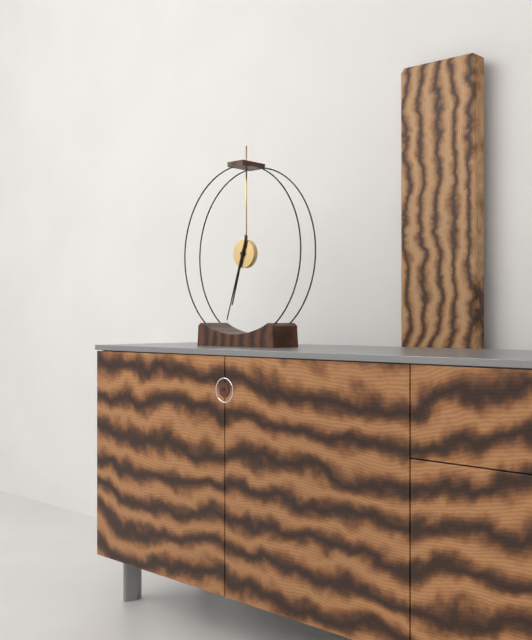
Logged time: 6 h 33 min
